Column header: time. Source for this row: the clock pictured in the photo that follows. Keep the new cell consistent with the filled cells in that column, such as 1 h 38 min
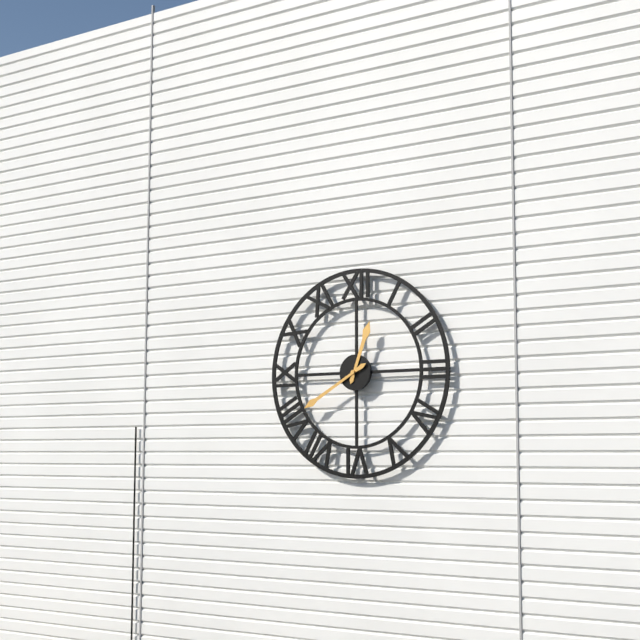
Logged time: 12 h 40 min
